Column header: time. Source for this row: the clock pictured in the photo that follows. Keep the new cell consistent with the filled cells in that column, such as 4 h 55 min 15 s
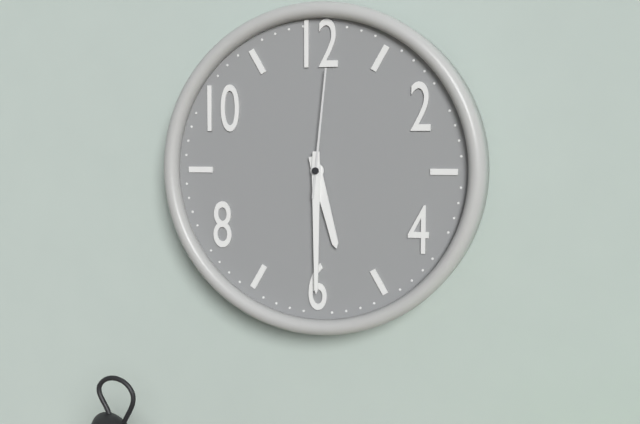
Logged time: 5 h 30 min 01 s
